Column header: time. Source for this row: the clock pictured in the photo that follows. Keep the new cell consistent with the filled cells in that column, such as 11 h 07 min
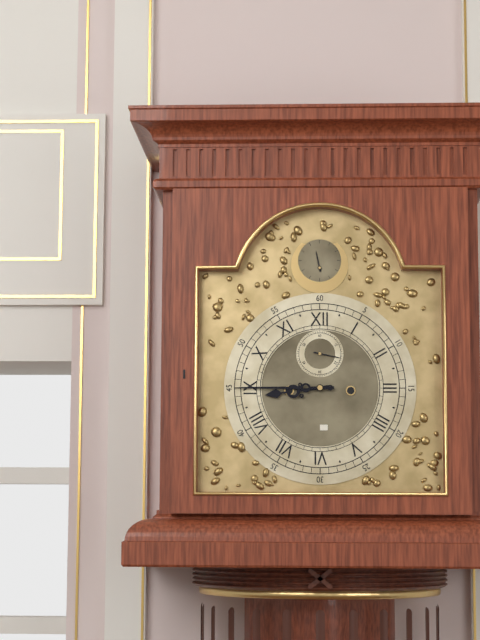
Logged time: 8 h 45 min
